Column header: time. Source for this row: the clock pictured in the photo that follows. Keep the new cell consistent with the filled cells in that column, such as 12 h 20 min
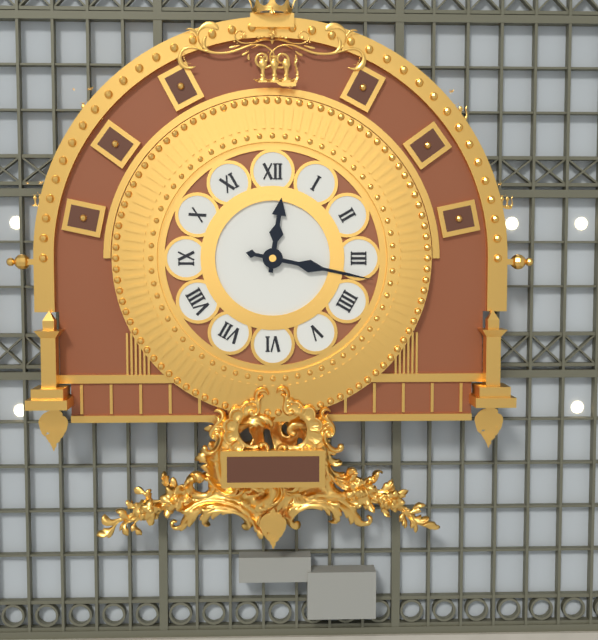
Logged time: 12 h 17 min
